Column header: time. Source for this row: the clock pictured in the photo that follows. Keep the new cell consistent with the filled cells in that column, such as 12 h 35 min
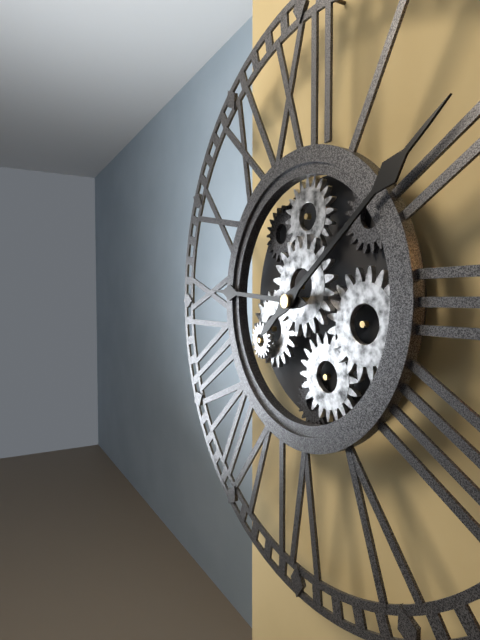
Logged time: 9 h 09 min
